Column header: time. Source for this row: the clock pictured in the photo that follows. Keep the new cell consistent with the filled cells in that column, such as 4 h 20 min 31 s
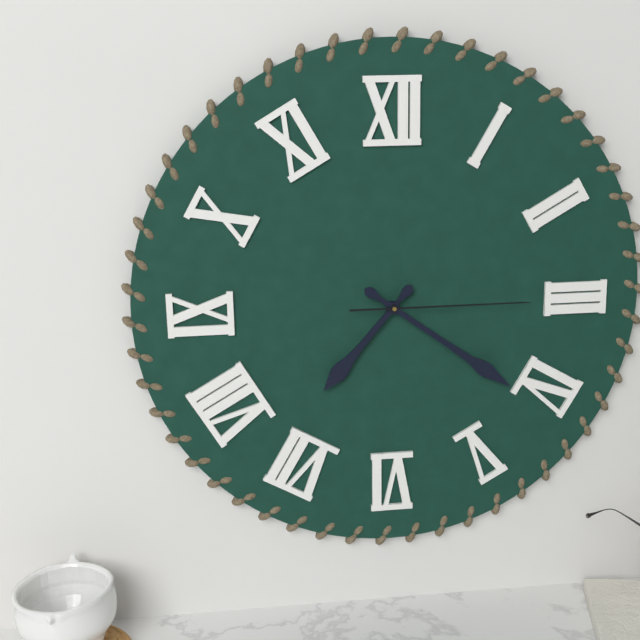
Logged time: 7 h 21 min 15 s
